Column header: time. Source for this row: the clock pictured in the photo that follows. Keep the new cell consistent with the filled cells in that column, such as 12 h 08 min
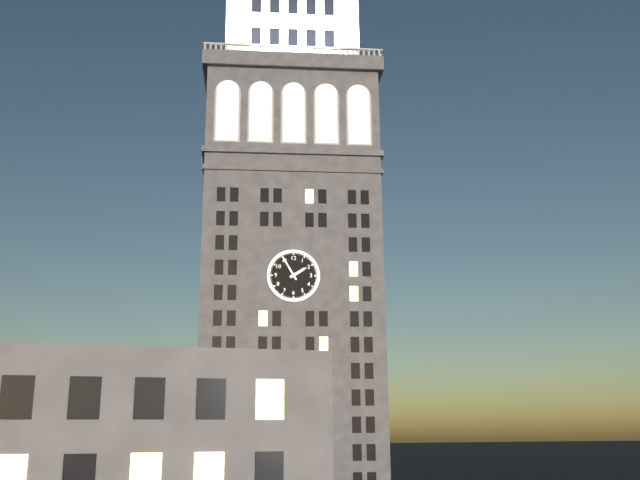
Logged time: 1 h 55 min
